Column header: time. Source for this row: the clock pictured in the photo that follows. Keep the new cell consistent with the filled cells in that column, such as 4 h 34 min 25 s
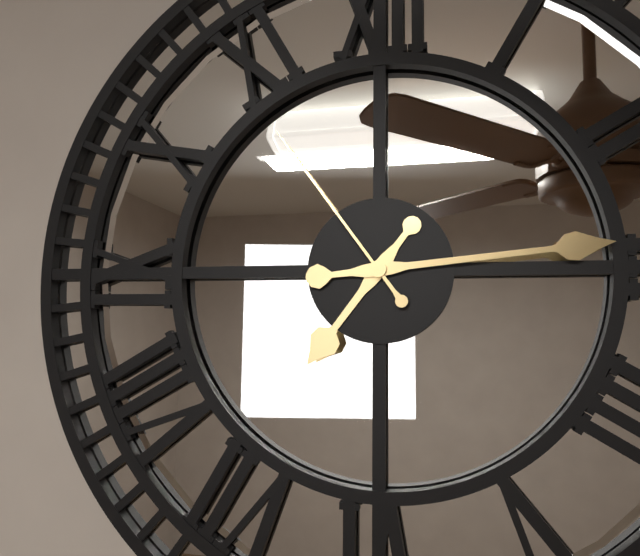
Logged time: 7 h 14 min 54 s
